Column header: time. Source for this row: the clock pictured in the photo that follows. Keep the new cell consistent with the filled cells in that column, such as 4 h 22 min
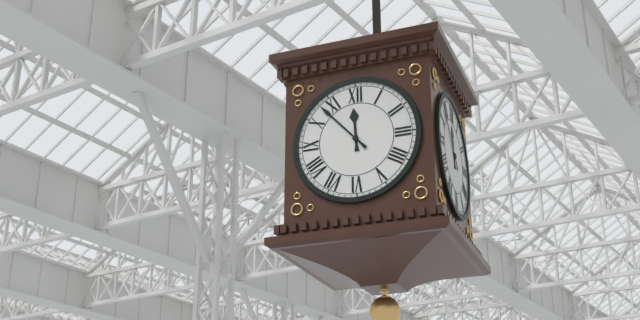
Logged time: 11 h 53 min
